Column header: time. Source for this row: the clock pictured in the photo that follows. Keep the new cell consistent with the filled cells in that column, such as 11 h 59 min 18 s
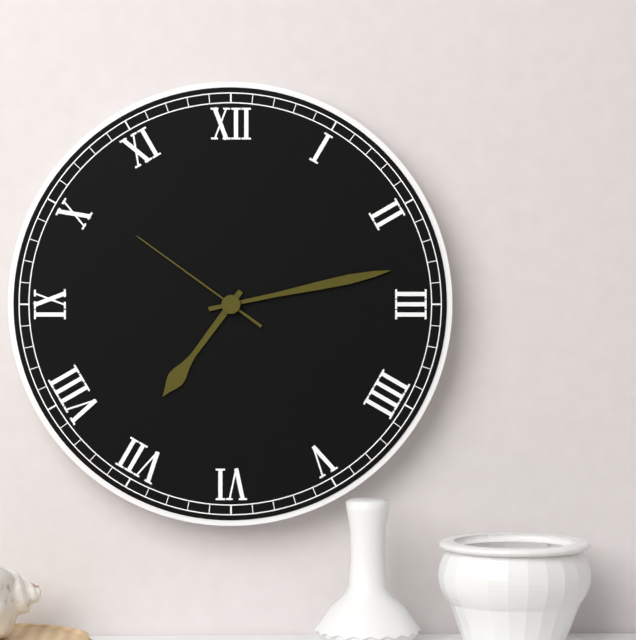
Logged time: 7 h 13 min 51 s
